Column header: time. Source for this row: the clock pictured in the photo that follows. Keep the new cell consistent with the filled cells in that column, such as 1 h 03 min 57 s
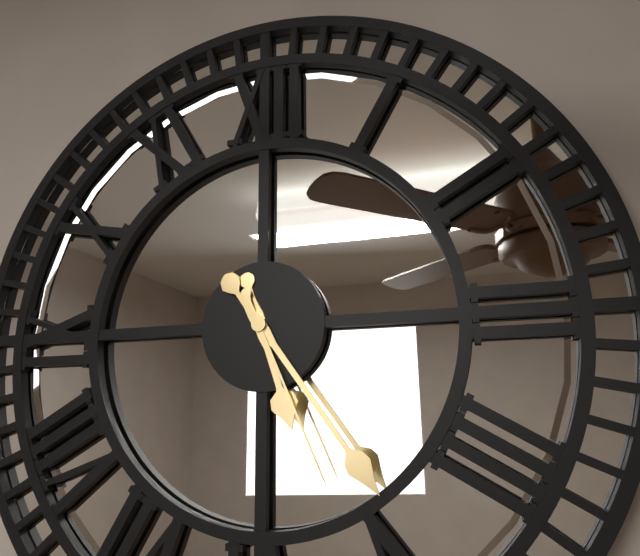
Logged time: 5 h 24 min 26 s
